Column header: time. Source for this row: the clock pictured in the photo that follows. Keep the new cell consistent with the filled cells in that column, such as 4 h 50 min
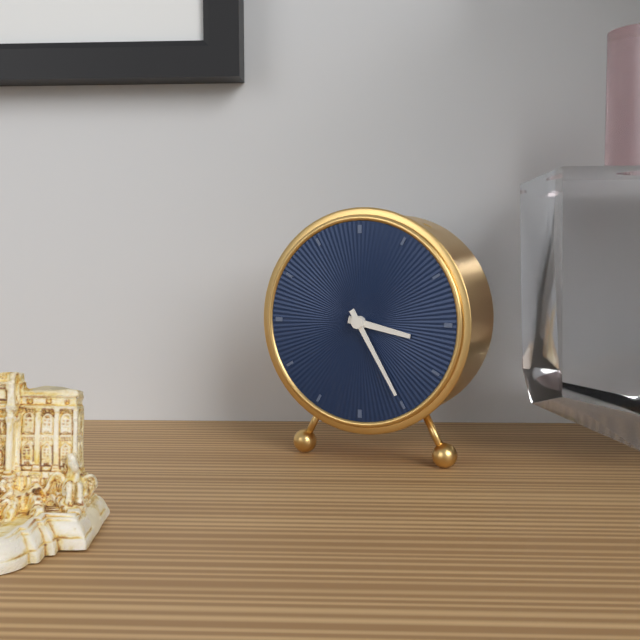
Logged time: 3 h 25 min
